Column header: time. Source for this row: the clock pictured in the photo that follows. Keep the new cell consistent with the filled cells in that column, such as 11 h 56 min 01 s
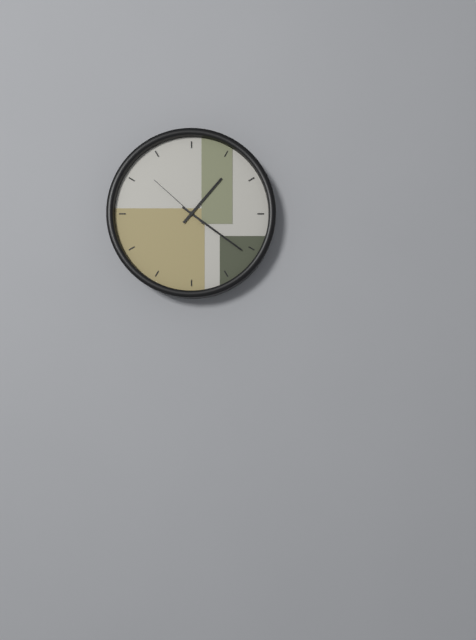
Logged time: 1 h 21 min 52 s
